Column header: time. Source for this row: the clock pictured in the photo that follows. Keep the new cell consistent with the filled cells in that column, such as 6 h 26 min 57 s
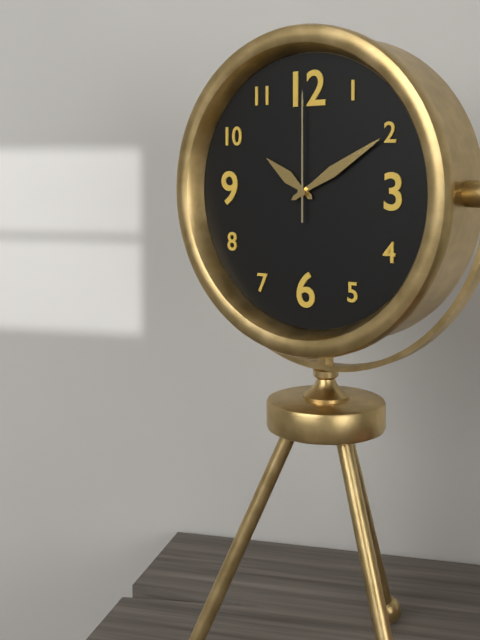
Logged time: 10 h 10 min 00 s
